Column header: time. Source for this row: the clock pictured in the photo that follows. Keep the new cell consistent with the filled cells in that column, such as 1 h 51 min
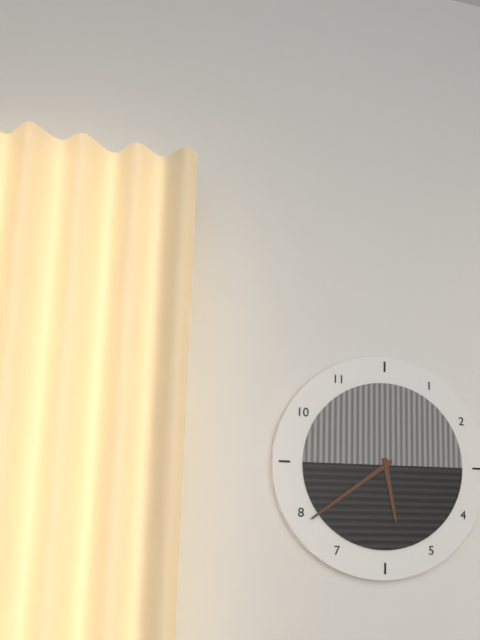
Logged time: 5 h 39 min
